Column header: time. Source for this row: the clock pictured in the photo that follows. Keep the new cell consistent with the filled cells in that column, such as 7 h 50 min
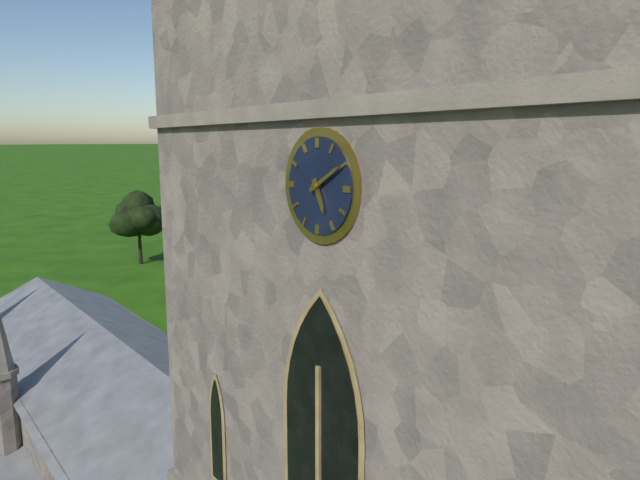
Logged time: 5 h 10 min
